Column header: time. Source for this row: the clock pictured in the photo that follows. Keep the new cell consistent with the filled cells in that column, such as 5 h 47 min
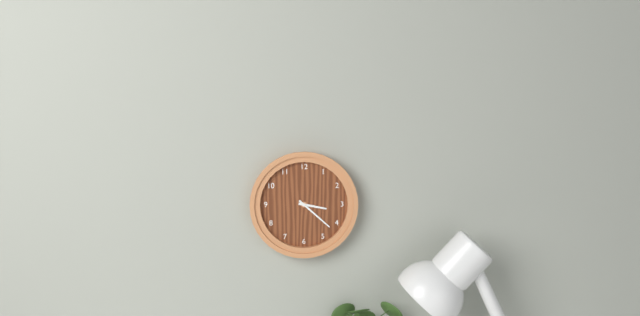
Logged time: 3 h 22 min
